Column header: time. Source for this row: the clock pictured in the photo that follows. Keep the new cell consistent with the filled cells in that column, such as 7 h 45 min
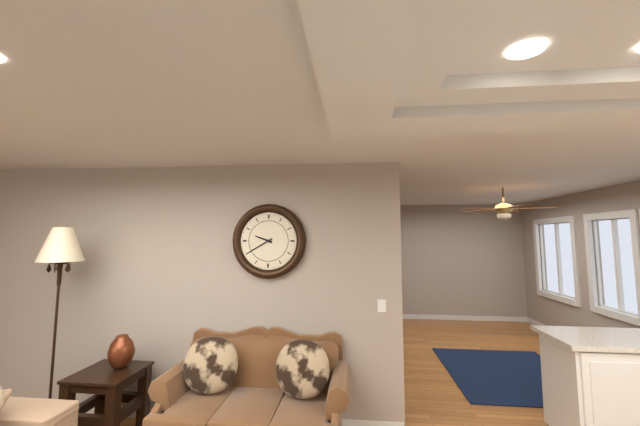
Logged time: 9 h 40 min
